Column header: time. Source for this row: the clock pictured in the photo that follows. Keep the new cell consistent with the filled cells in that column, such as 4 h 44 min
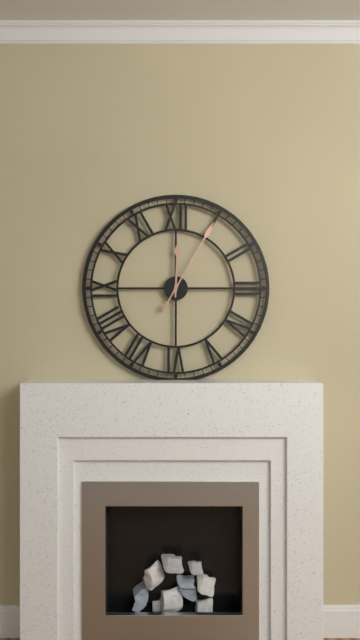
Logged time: 12 h 05 min
